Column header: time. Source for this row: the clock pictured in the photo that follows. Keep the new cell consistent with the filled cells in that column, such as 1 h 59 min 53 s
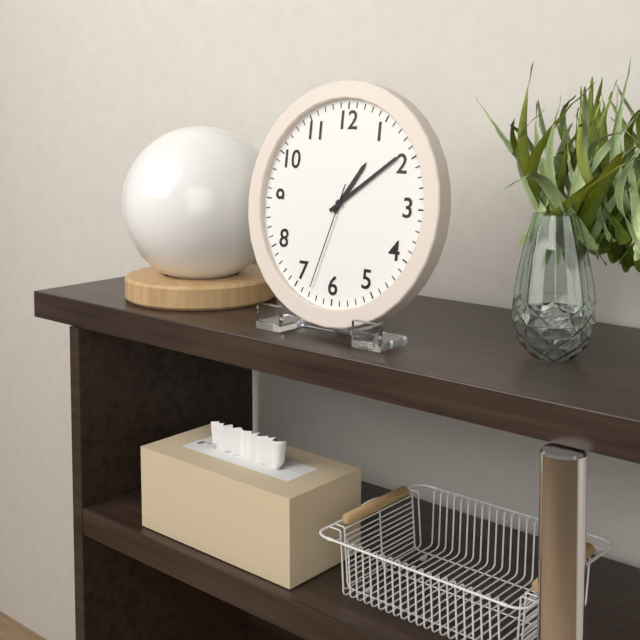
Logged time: 1 h 09 min 33 s
